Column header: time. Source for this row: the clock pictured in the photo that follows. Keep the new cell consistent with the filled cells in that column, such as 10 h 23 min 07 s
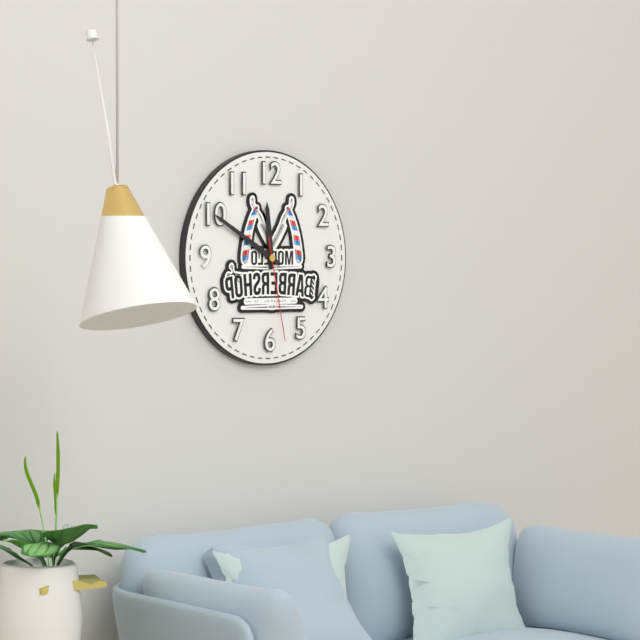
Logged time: 11 h 50 min 28 s
